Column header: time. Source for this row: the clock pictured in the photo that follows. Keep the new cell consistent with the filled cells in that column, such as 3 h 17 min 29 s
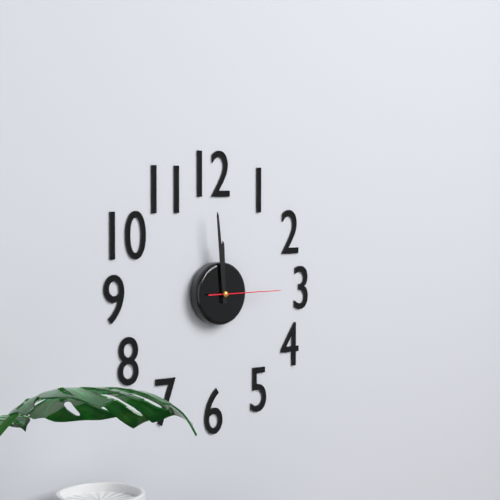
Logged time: 11 h 59 min 15 s
